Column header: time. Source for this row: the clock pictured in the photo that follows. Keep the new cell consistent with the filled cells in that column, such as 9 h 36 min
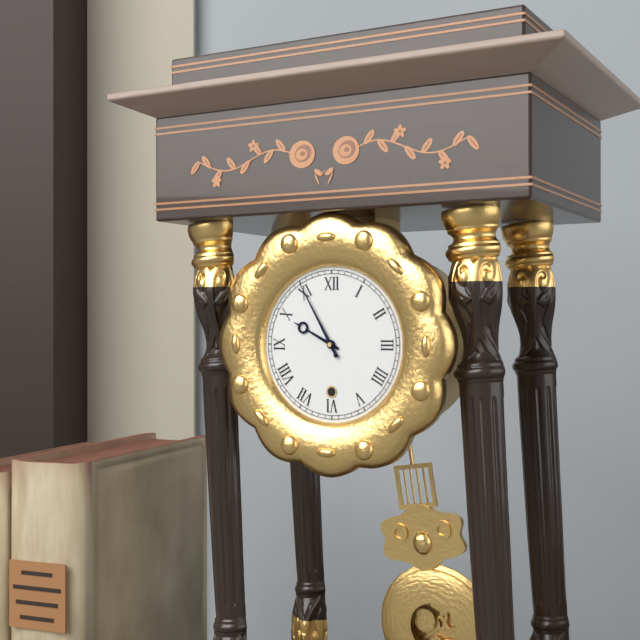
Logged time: 9 h 55 min
